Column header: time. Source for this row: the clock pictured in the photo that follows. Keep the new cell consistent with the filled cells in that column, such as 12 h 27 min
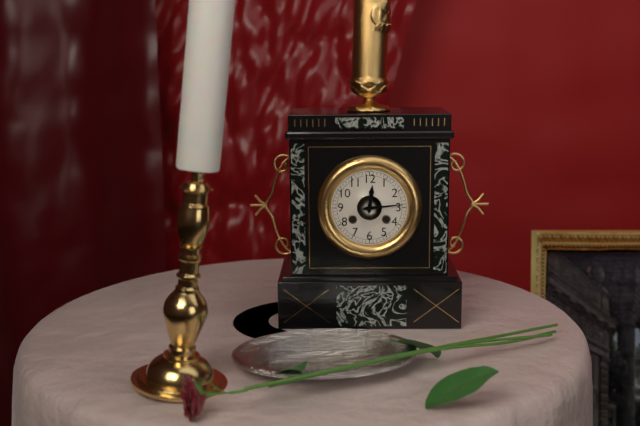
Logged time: 12 h 14 min
